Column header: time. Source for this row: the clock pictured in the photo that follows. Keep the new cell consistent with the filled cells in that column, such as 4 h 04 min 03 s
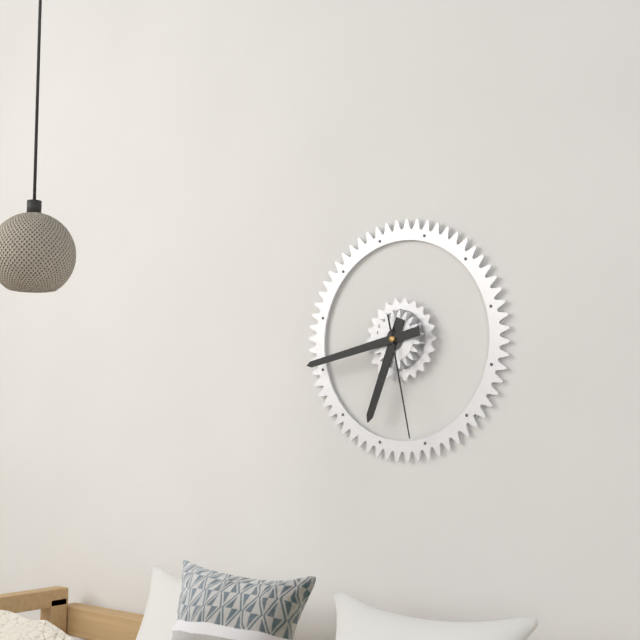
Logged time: 6 h 43 min 28 s
